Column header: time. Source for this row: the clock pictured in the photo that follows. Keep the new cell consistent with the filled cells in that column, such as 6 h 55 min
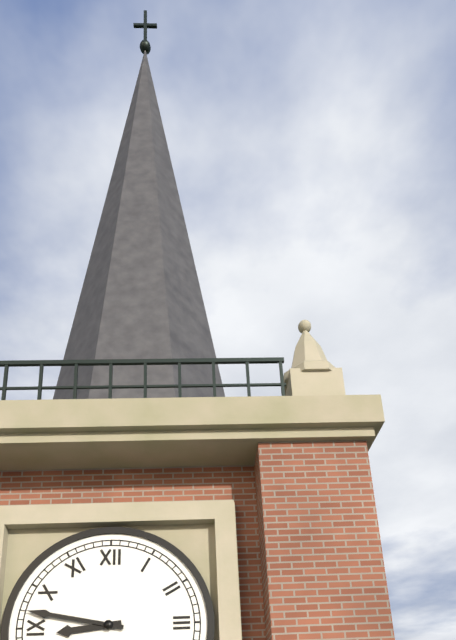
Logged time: 8 h 47 min
